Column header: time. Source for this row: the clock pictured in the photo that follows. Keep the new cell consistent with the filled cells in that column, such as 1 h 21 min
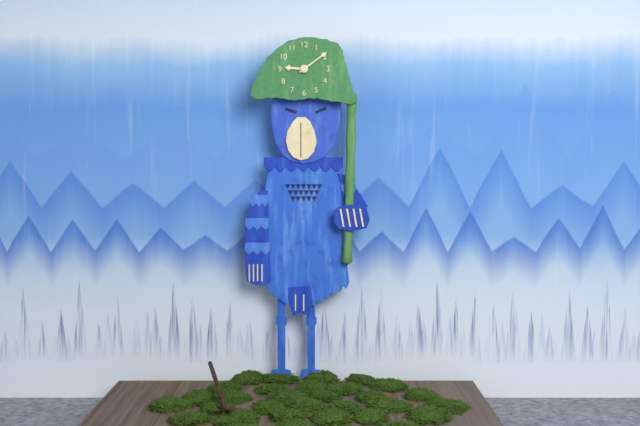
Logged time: 9 h 09 min
